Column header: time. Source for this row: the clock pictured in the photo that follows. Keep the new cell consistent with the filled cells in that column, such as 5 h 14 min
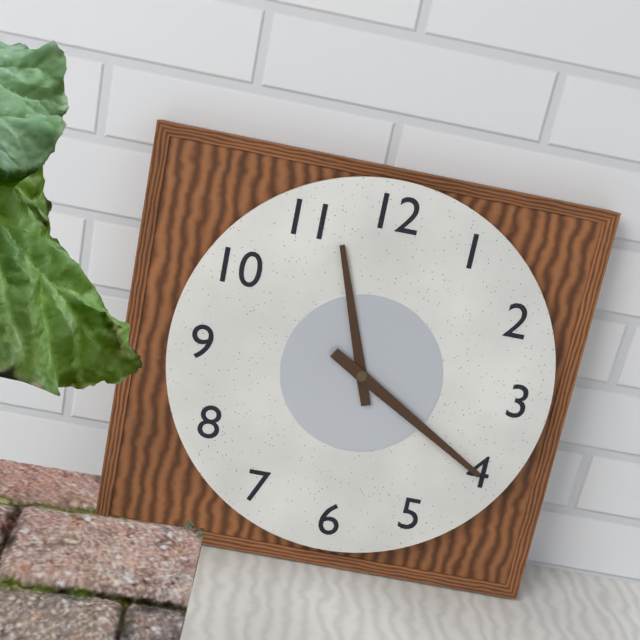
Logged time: 11 h 20 min
